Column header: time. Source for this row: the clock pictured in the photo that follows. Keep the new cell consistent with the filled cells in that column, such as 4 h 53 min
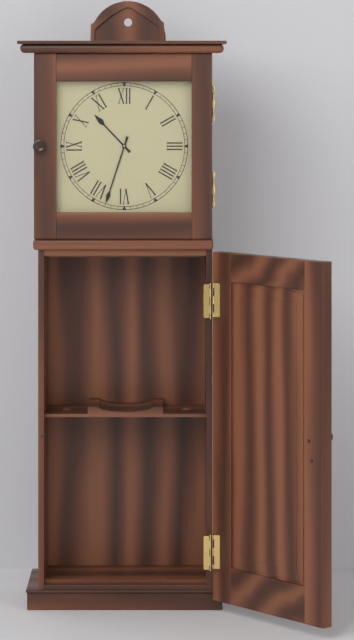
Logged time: 10 h 33 min
